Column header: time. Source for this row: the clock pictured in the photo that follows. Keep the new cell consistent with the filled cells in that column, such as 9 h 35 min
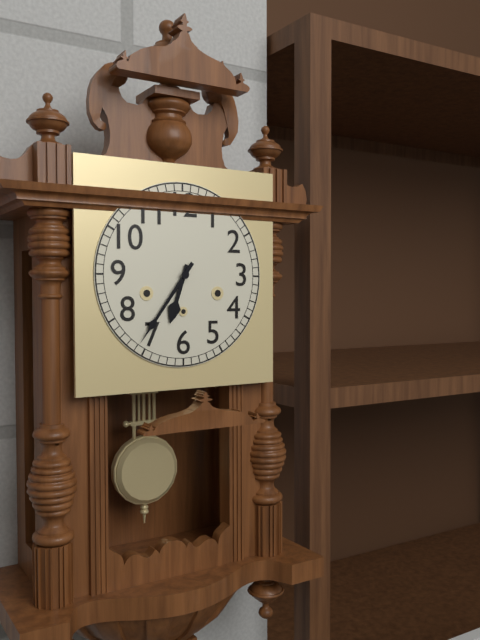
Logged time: 6 h 36 min
